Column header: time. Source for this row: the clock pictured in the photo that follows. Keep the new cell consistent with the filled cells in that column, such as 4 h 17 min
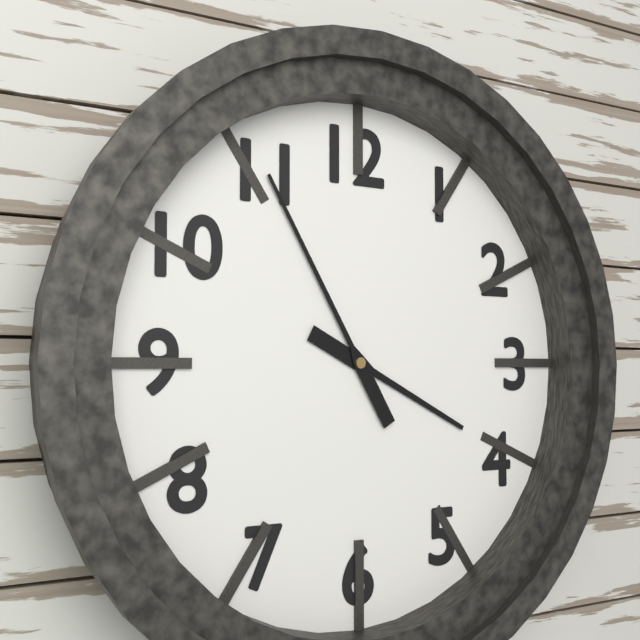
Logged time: 3 h 55 min
